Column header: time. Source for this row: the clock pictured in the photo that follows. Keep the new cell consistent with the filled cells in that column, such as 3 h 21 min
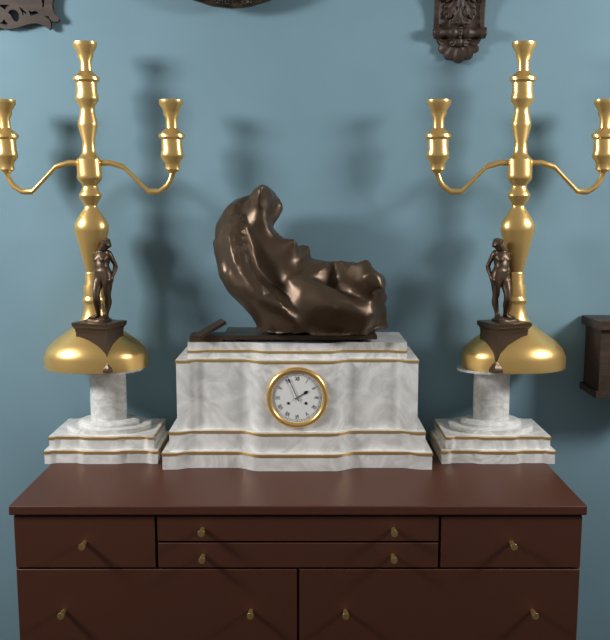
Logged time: 1 h 56 min
